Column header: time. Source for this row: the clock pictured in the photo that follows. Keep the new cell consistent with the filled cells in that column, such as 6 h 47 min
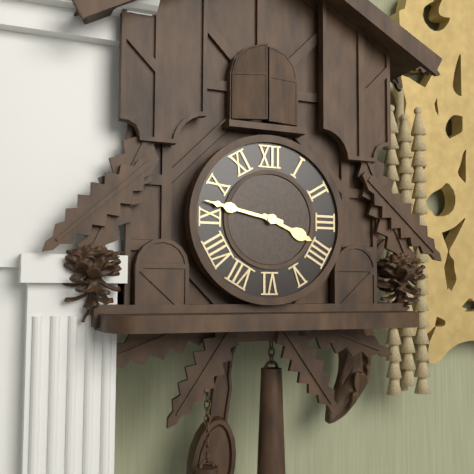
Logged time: 3 h 47 min
